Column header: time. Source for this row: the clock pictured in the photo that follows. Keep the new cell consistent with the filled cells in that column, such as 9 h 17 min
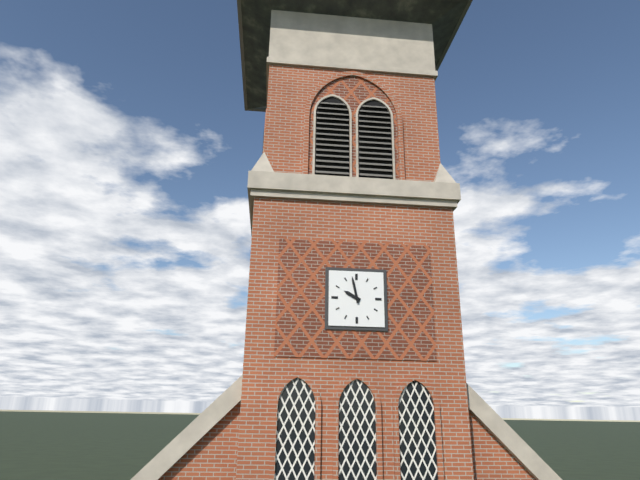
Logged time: 9 h 58 min
